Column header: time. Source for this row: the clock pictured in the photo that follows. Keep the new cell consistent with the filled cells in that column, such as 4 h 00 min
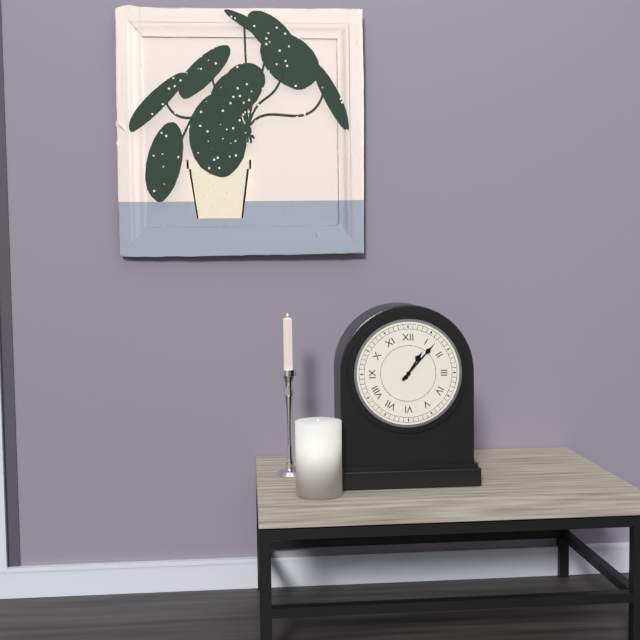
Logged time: 1 h 07 min
